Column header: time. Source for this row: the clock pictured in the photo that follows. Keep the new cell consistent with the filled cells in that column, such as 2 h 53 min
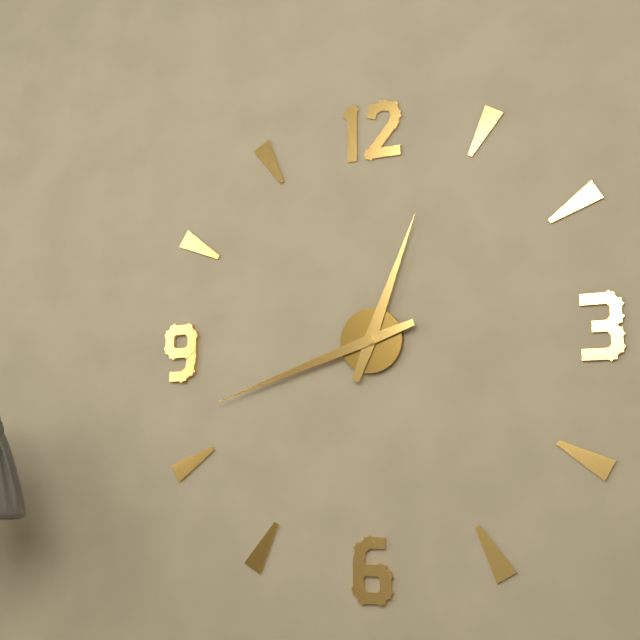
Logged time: 12 h 42 min
